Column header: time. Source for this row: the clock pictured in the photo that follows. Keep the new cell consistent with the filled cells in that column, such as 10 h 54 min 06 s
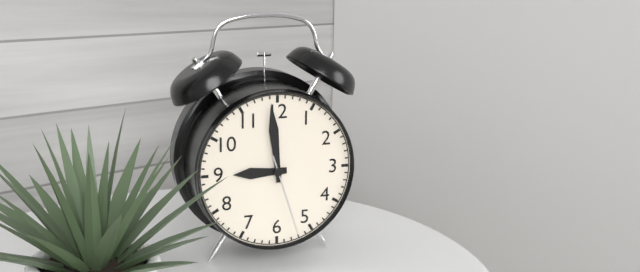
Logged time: 8 h 59 min 27 s
